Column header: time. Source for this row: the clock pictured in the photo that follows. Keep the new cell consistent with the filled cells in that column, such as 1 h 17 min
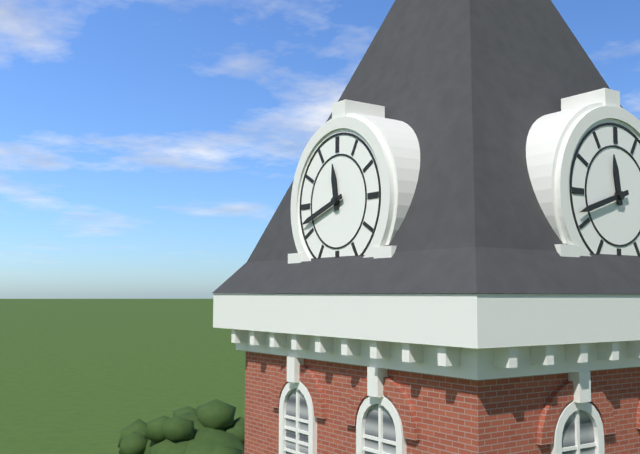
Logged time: 11 h 42 min
